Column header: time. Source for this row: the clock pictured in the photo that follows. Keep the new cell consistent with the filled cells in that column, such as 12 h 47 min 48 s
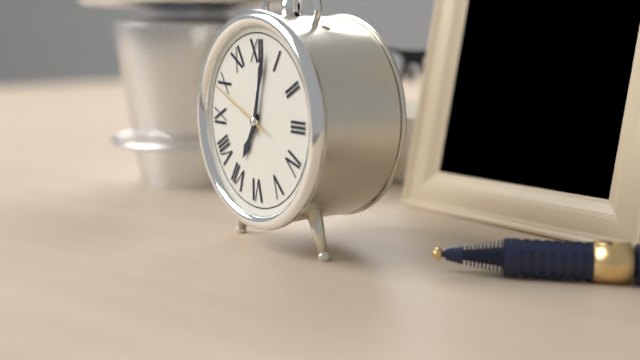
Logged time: 7 h 02 min 49 s
